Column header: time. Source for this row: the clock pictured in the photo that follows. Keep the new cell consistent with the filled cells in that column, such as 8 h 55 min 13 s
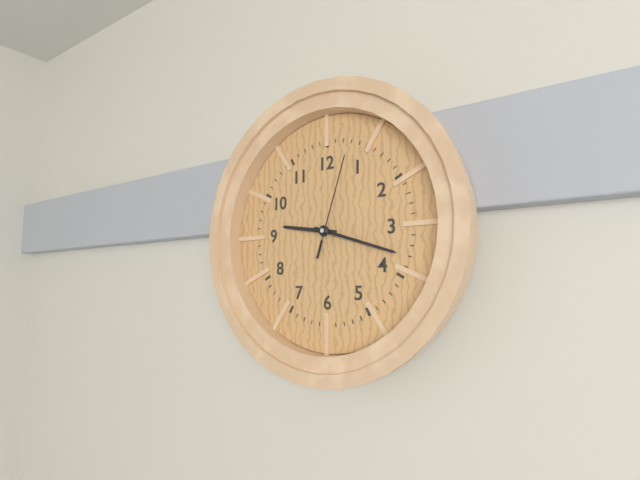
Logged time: 9 h 18 min 03 s
